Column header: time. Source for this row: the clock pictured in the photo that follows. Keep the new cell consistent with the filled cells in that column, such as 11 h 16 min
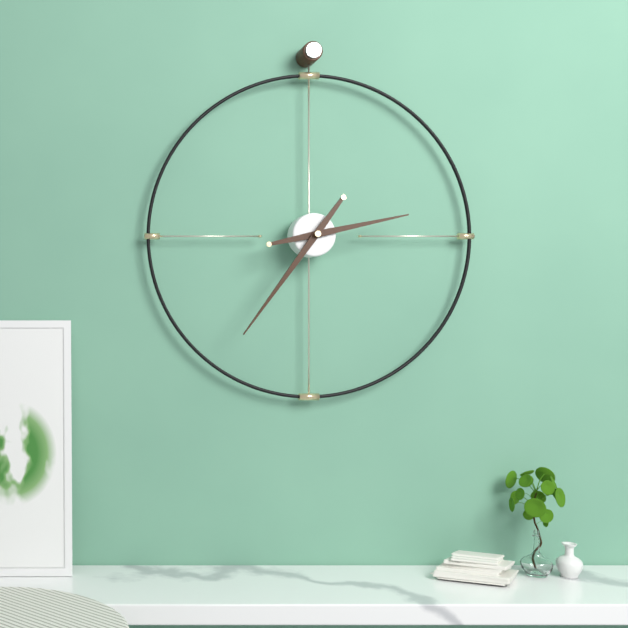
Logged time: 2 h 36 min
